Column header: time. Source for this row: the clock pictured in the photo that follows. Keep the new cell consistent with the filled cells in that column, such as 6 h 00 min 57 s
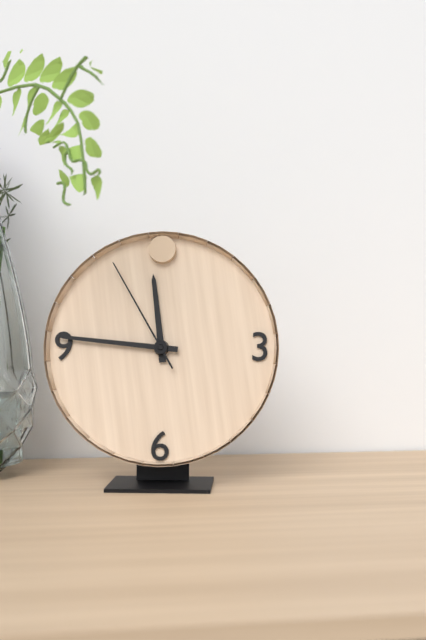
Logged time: 11 h 46 min 55 s
